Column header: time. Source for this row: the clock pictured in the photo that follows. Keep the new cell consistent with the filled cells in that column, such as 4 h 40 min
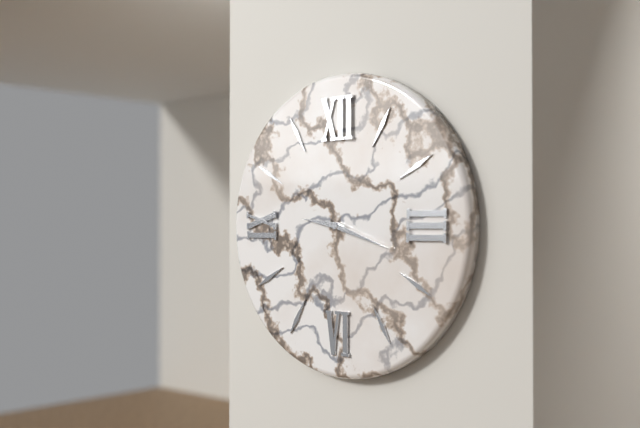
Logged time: 9 h 18 min
